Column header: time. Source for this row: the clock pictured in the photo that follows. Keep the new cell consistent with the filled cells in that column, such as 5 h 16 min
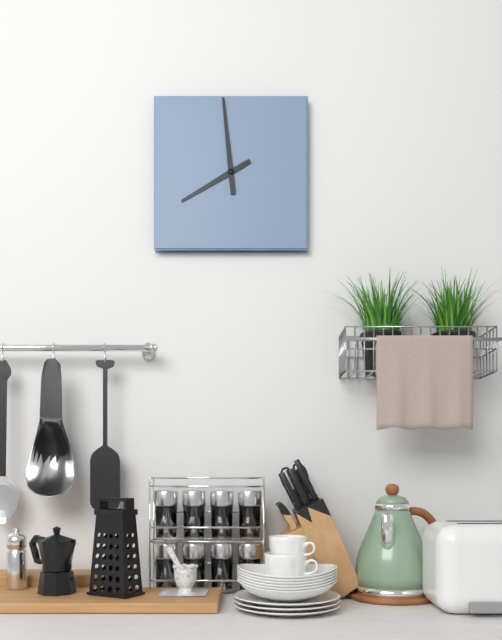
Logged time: 7 h 59 min
